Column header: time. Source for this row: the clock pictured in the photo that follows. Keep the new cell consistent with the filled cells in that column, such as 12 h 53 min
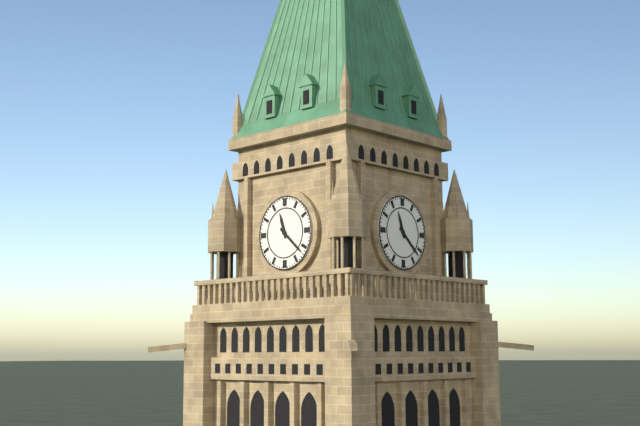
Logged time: 11 h 22 min
